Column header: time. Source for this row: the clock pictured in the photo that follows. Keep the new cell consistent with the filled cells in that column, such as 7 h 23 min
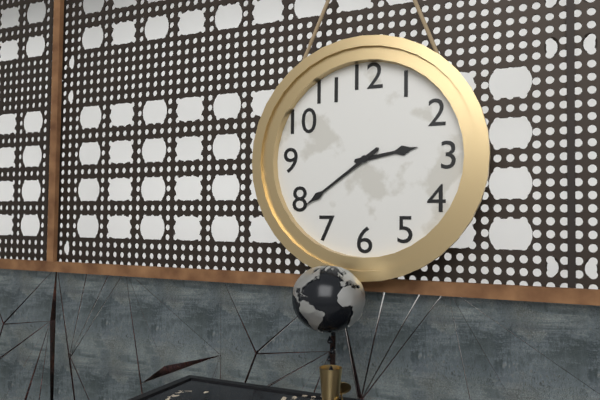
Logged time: 2 h 39 min
